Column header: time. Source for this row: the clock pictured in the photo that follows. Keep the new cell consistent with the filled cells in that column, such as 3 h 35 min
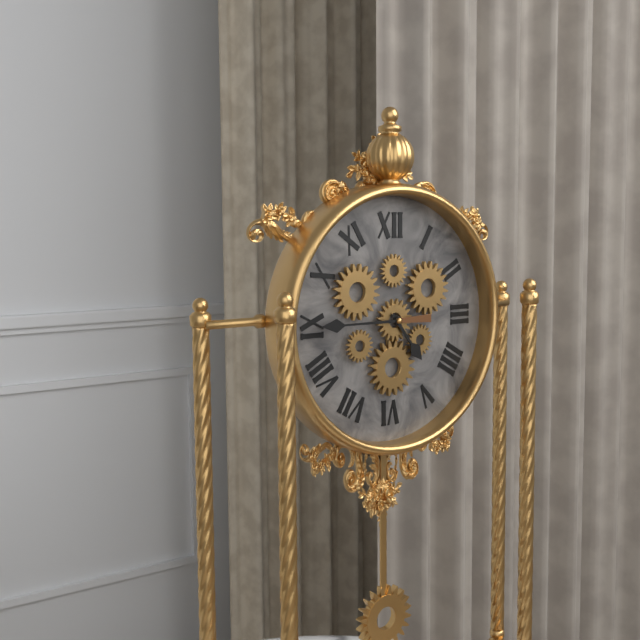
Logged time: 4 h 45 min
